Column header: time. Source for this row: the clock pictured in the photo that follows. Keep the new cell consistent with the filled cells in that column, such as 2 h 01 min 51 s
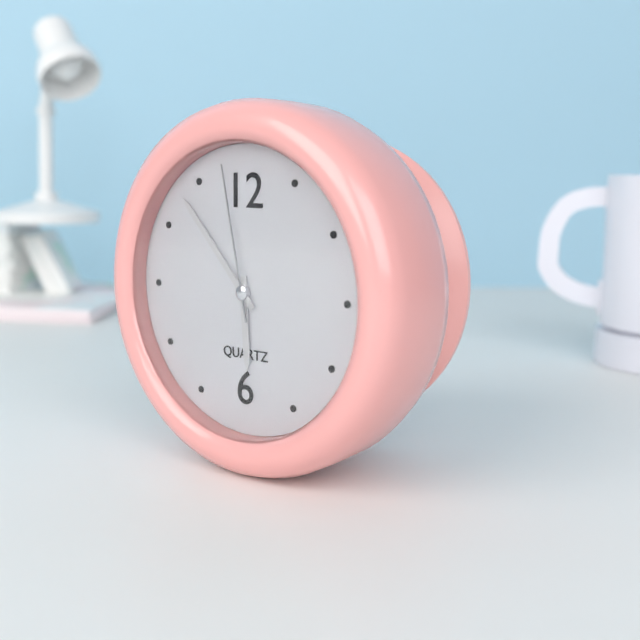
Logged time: 5 h 53 min 58 s
